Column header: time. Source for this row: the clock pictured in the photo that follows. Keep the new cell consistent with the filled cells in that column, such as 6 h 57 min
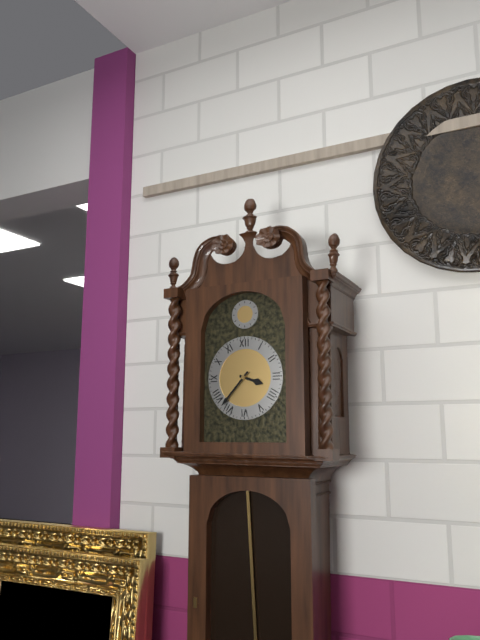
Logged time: 3 h 37 min
